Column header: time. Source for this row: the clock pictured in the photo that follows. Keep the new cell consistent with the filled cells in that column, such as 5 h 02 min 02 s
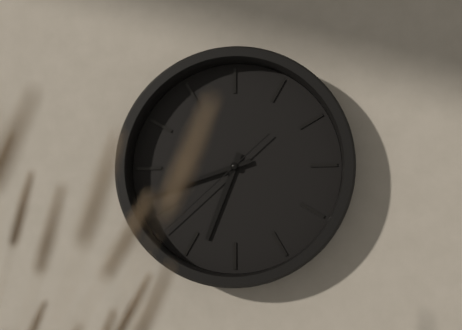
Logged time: 6 h 42 min 38 s
